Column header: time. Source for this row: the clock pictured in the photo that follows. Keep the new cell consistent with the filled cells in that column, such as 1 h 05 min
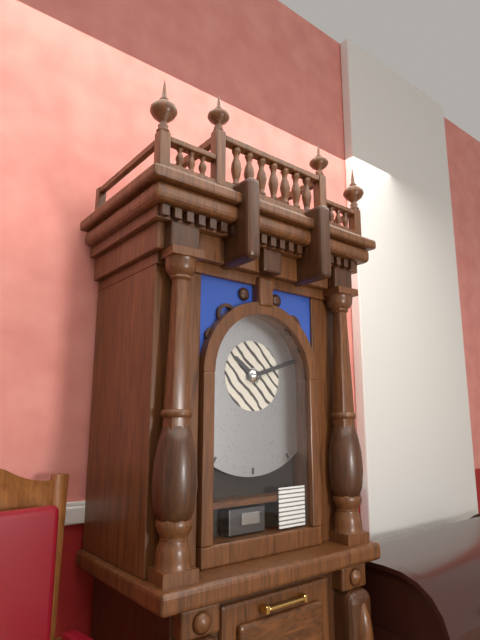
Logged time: 10 h 12 min
